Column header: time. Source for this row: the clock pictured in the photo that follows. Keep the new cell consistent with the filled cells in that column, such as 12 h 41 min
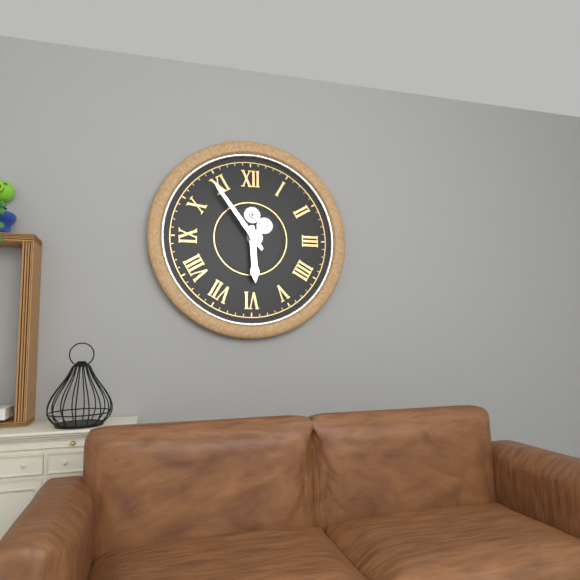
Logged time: 5 h 54 min
